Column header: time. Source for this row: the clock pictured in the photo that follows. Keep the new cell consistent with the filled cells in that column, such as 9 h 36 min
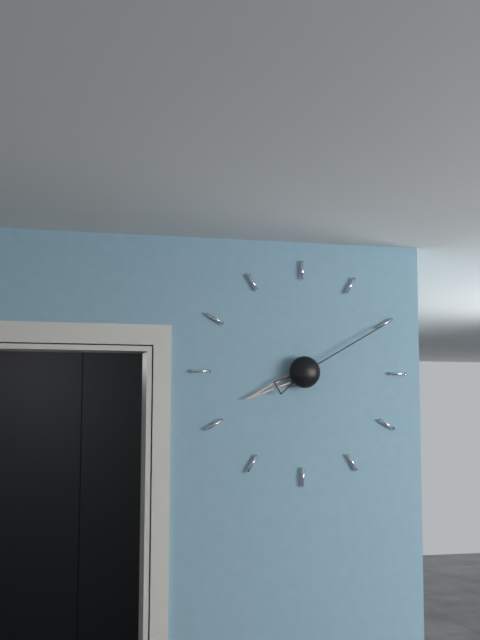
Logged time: 8 h 10 min
